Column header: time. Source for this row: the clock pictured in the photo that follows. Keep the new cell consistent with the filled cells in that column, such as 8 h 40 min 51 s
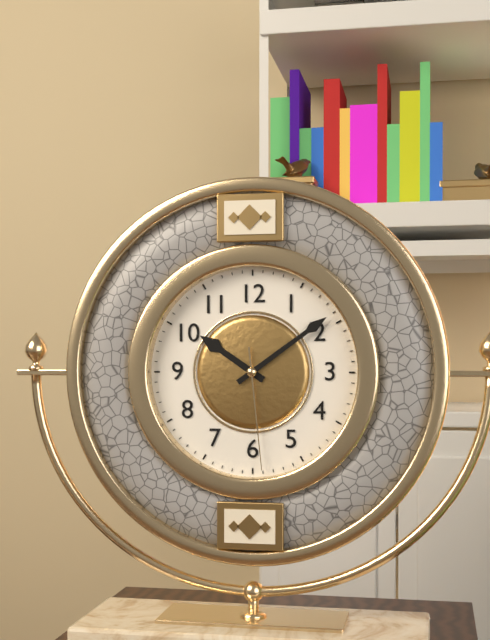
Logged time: 10 h 09 min 29 s
